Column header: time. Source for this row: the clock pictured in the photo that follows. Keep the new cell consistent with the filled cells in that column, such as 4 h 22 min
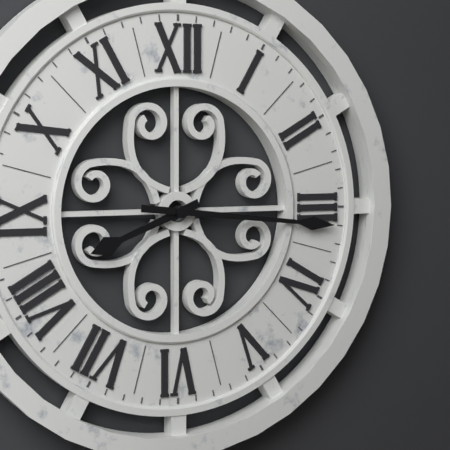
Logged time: 8 h 16 min
